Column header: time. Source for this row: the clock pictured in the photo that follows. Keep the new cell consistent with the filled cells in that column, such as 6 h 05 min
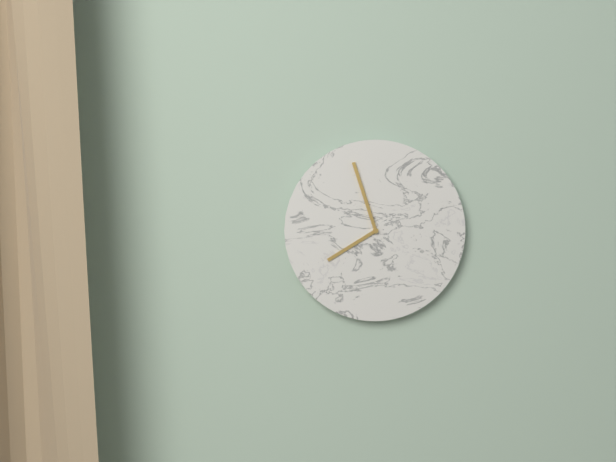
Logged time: 7 h 57 min
